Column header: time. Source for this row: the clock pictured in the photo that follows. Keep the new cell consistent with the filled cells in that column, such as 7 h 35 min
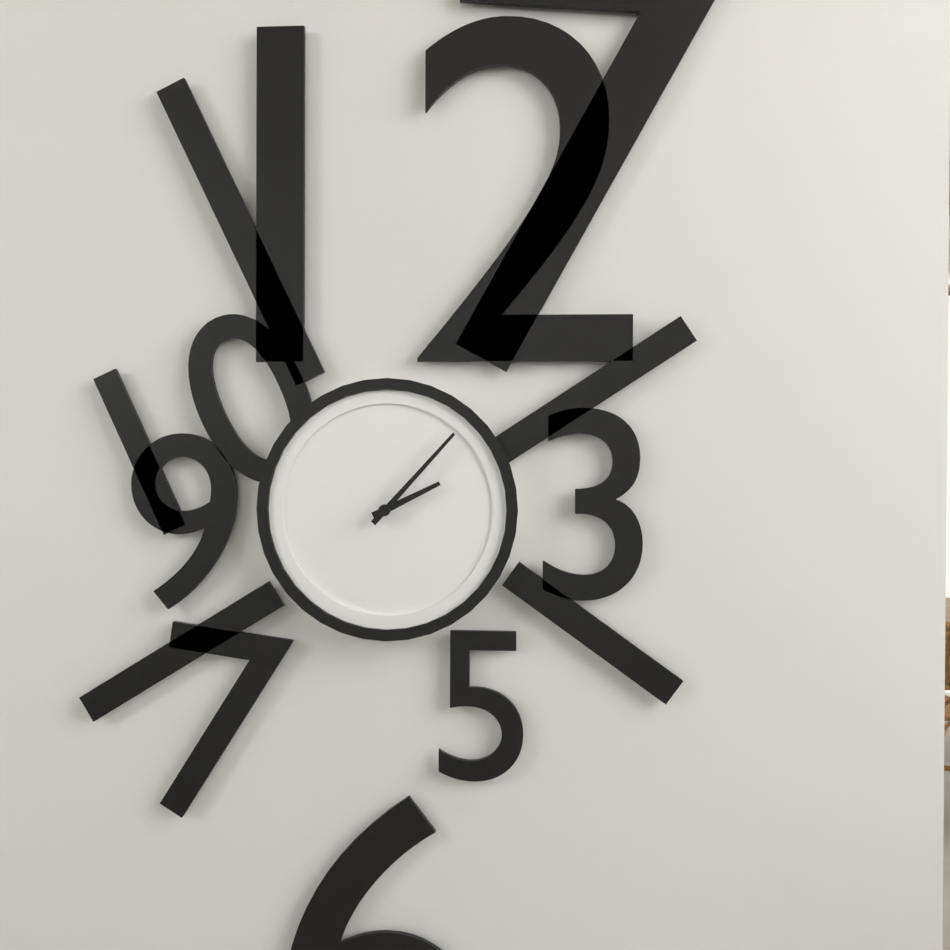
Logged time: 2 h 07 min
